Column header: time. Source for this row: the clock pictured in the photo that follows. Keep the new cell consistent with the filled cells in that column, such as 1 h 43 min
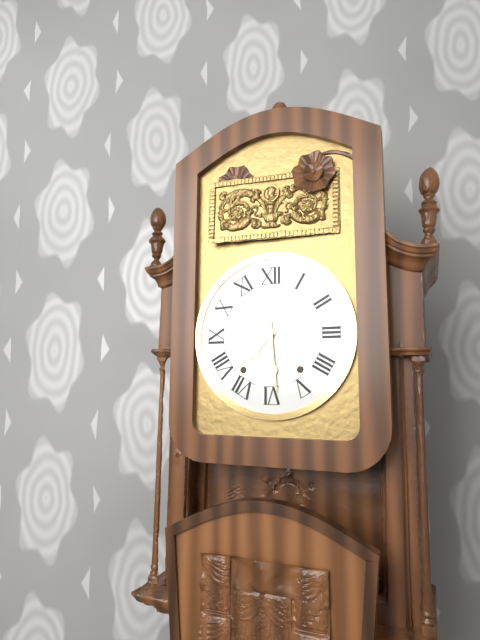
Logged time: 7 h 29 min
